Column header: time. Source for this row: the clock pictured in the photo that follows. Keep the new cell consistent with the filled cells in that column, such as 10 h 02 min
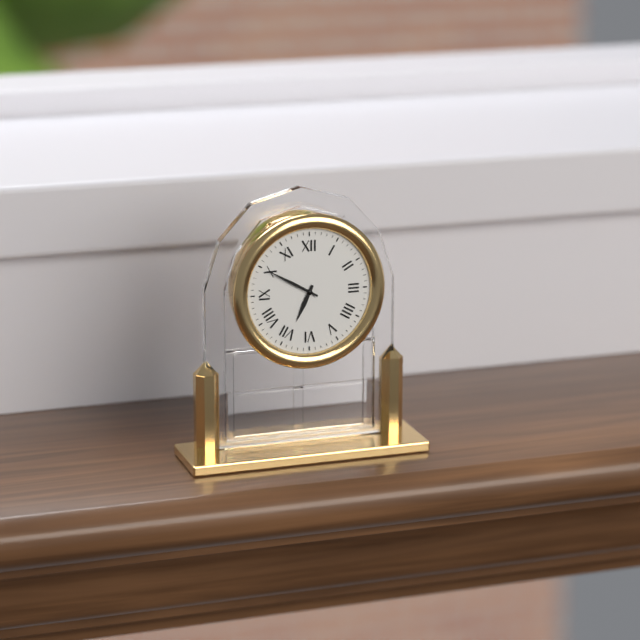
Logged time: 6 h 50 min
